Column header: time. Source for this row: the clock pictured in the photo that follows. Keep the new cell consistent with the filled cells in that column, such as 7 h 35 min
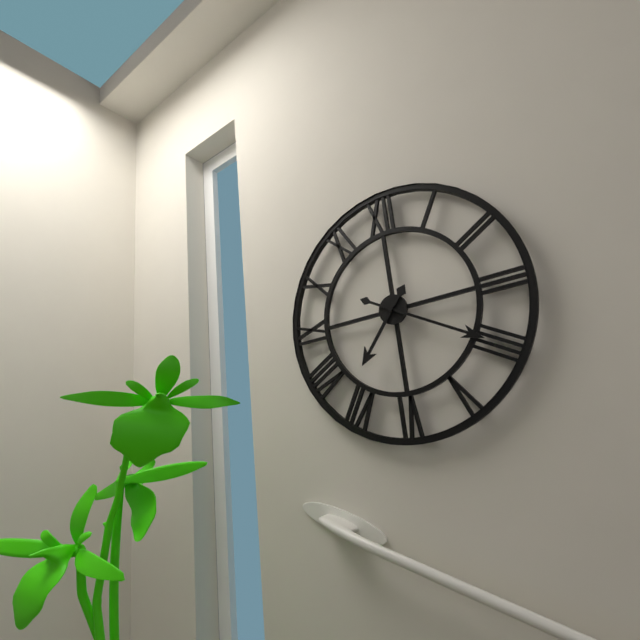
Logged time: 7 h 20 min
